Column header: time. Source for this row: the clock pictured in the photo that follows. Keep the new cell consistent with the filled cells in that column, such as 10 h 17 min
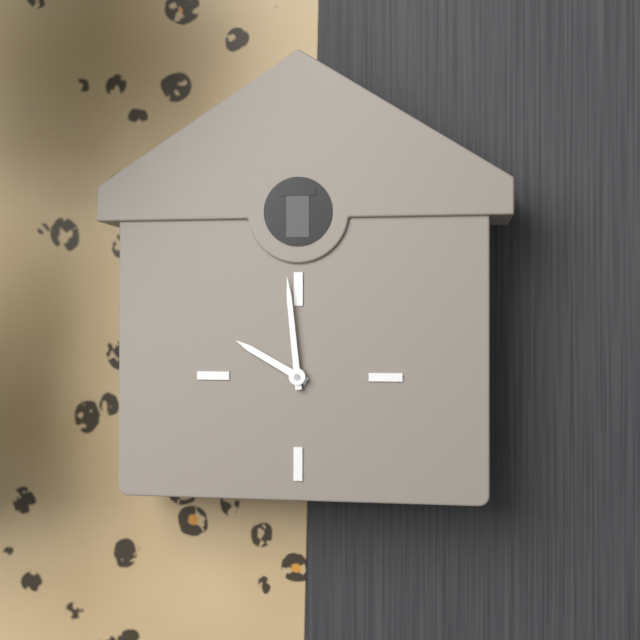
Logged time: 9 h 59 min
